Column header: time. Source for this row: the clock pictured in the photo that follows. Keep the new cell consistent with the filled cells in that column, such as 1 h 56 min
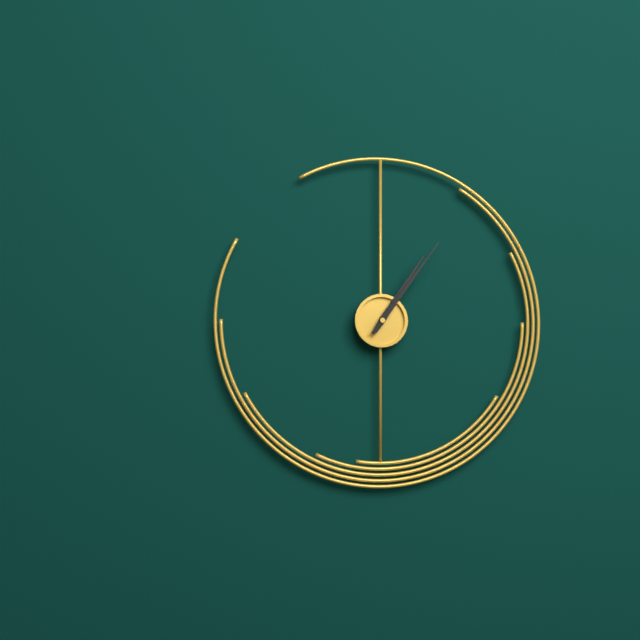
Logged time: 1 h 06 min
